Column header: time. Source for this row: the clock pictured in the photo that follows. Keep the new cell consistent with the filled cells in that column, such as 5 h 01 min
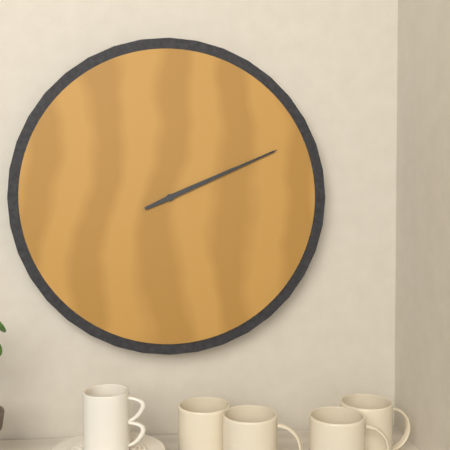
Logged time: 2 h 11 min
